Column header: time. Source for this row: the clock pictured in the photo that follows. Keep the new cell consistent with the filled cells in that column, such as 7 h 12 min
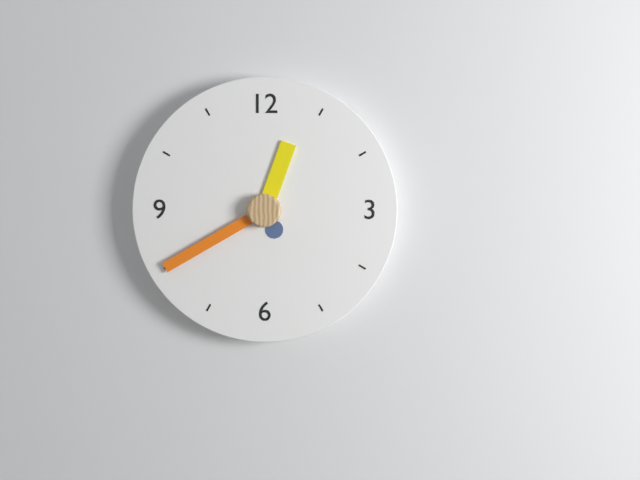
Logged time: 12 h 40 min
